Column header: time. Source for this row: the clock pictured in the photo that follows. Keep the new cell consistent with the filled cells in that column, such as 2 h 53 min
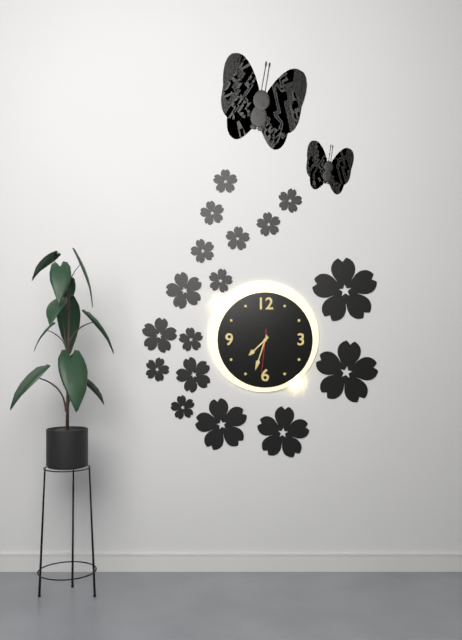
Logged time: 7 h 33 min
